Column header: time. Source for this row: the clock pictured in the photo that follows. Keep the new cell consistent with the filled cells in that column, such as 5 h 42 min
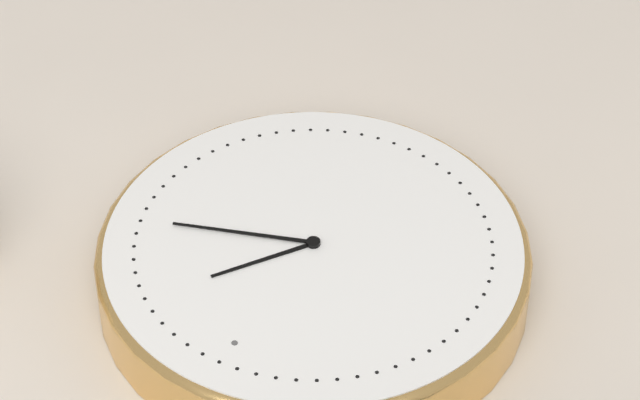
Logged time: 1 h 12 min
